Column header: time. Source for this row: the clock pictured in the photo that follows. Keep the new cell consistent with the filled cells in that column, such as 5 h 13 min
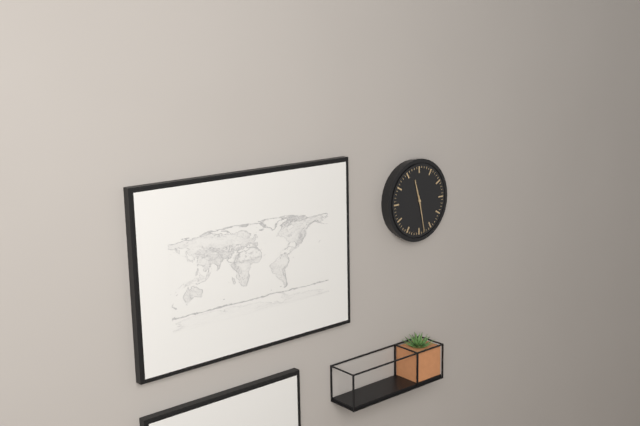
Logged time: 11 h 28 min
